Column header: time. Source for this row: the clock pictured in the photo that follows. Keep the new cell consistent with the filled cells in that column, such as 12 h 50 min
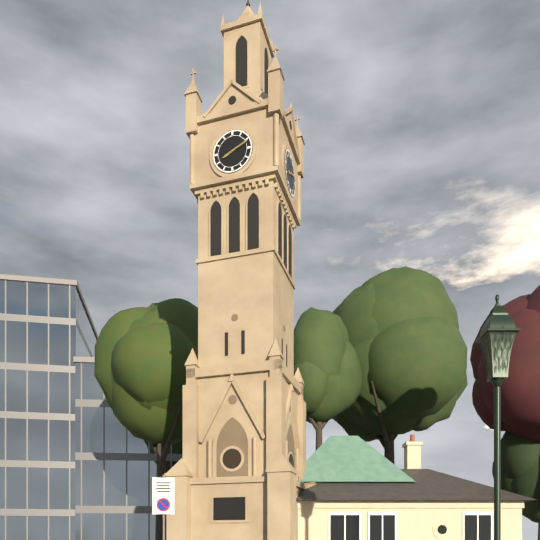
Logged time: 8 h 11 min
